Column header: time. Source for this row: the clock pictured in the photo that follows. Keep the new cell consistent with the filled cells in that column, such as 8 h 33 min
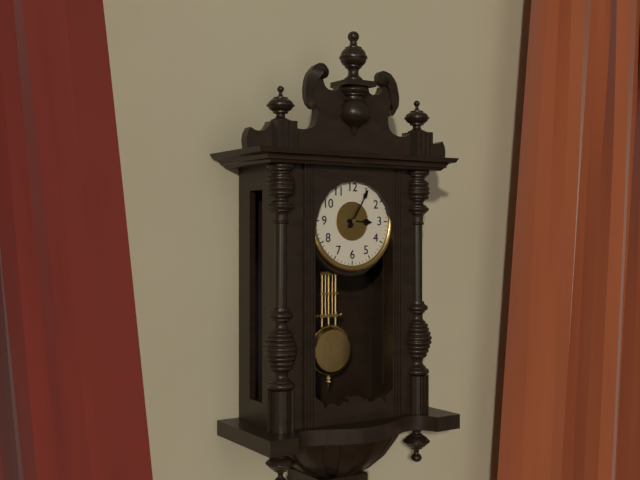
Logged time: 3 h 05 min
